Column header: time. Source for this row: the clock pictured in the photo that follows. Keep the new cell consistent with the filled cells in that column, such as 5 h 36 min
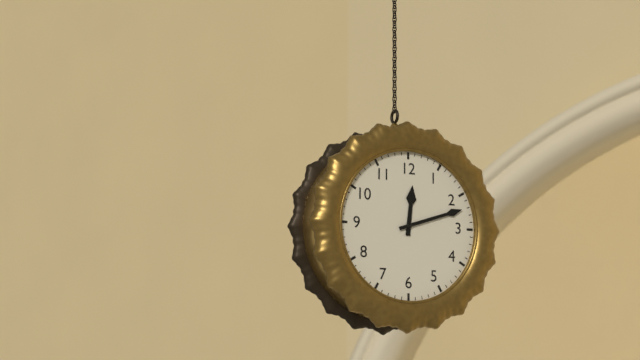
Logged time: 12 h 12 min
